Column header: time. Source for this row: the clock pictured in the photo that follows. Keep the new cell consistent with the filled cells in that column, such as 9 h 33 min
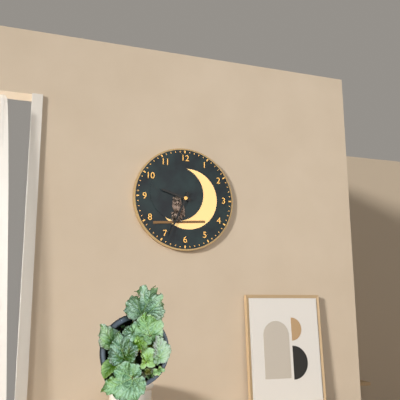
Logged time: 9 h 34 min
